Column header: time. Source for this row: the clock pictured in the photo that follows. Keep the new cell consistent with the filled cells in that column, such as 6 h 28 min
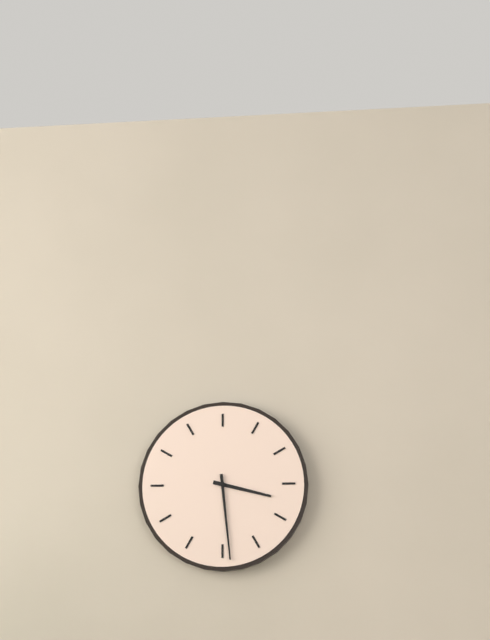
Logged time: 3 h 29 min
